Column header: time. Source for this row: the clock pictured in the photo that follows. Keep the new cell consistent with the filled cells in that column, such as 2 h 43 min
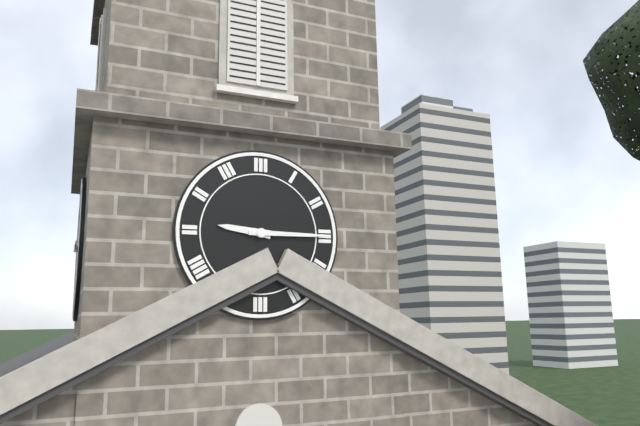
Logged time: 9 h 15 min
